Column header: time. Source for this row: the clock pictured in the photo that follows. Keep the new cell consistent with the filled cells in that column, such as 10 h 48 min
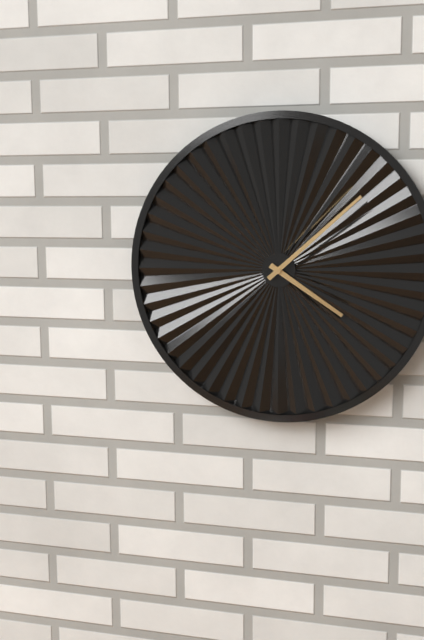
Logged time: 4 h 08 min
